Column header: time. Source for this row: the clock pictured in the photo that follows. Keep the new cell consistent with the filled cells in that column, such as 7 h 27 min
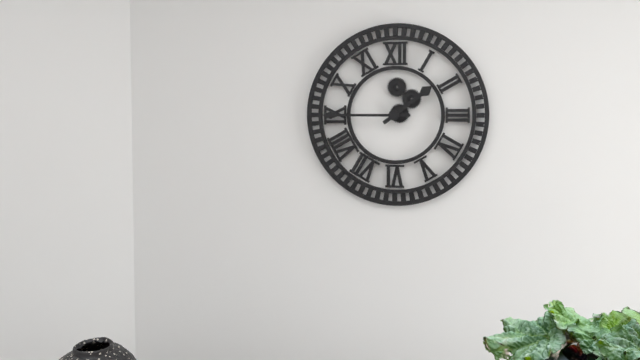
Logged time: 1 h 45 min
